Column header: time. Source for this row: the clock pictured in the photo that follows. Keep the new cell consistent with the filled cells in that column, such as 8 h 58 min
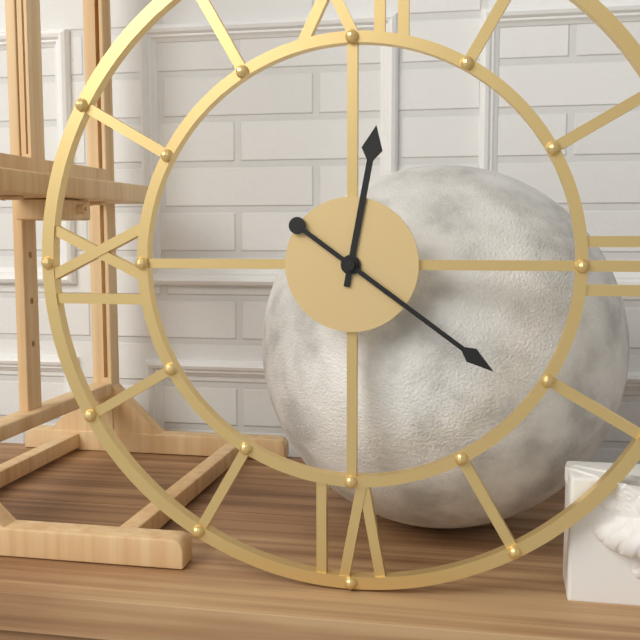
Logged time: 12 h 21 min
